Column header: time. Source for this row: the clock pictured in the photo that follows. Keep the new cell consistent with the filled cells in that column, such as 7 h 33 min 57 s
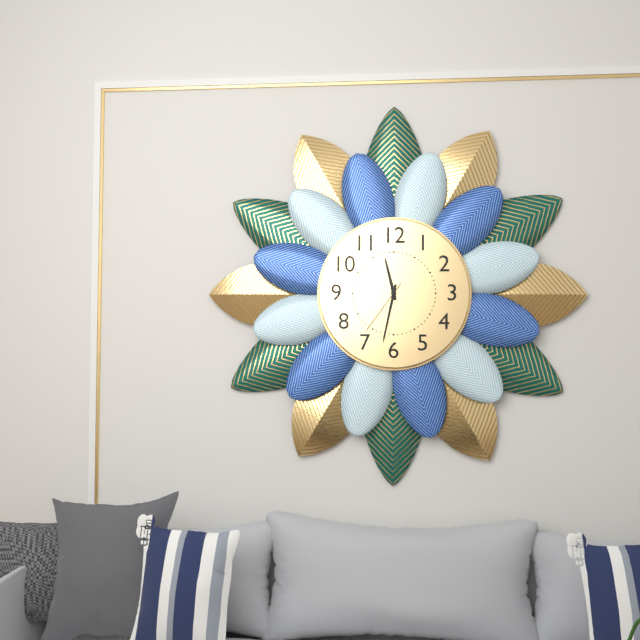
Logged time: 11 h 32 min 36 s
